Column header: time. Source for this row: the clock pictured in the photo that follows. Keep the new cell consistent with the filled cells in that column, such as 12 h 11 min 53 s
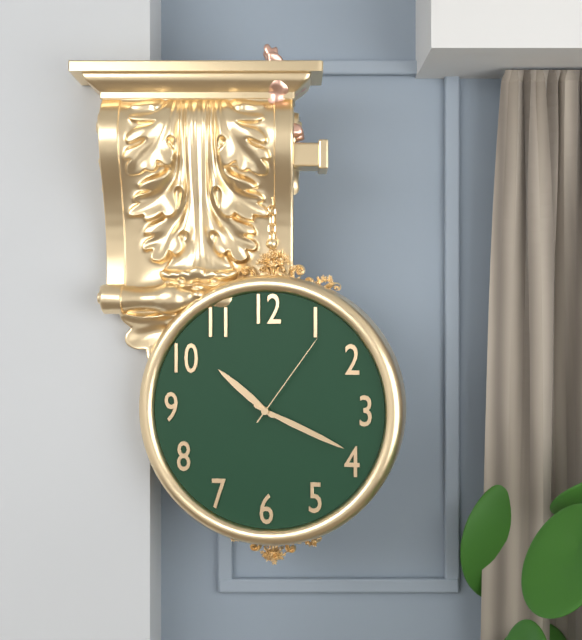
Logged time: 10 h 19 min 06 s
